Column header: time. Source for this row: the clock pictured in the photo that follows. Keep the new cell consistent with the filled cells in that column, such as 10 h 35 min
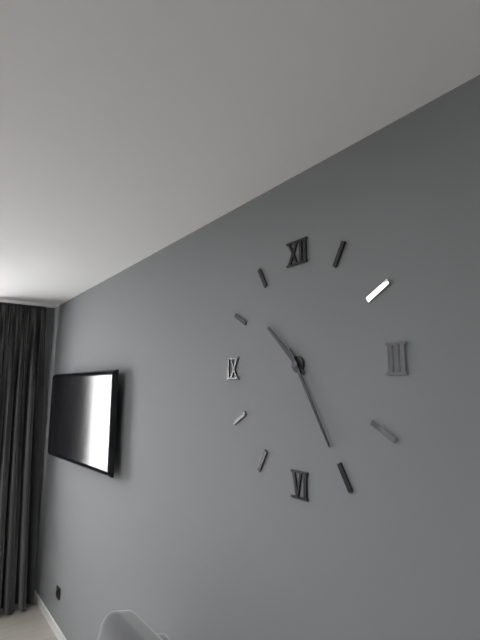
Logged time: 10 h 25 min
